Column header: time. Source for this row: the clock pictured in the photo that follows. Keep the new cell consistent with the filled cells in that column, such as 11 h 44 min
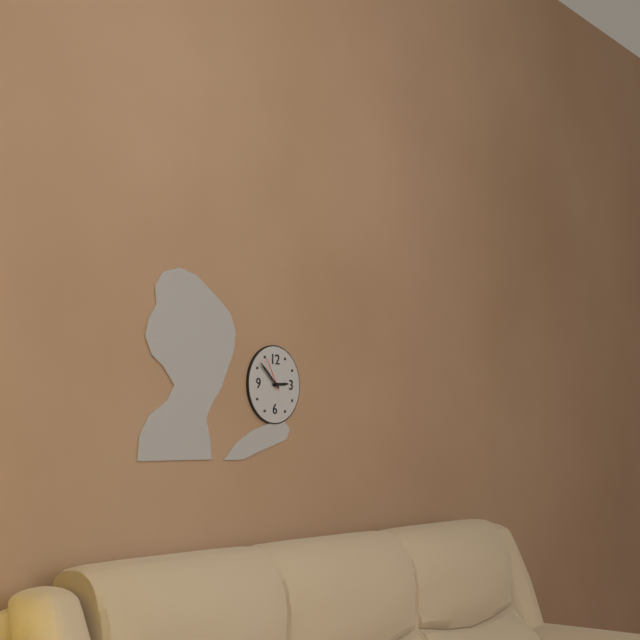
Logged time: 2 h 52 min
